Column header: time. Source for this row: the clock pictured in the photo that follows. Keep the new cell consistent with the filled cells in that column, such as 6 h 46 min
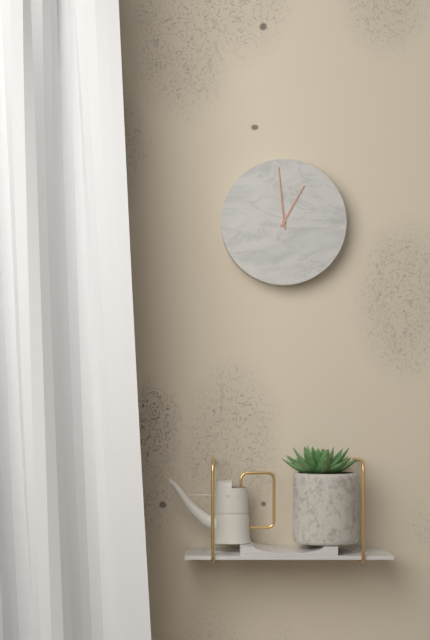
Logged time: 12 h 59 min
